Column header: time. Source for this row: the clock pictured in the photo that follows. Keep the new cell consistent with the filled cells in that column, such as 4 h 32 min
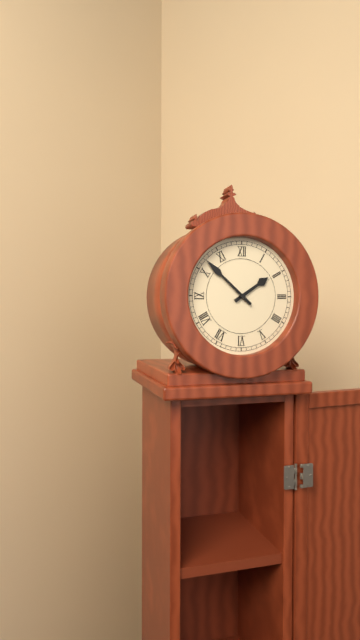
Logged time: 1 h 52 min
